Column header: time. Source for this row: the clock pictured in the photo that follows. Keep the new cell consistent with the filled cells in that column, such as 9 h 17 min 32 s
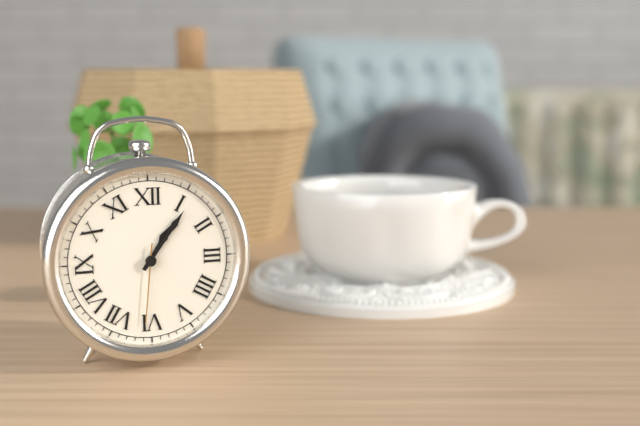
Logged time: 1 h 06 min 31 s
